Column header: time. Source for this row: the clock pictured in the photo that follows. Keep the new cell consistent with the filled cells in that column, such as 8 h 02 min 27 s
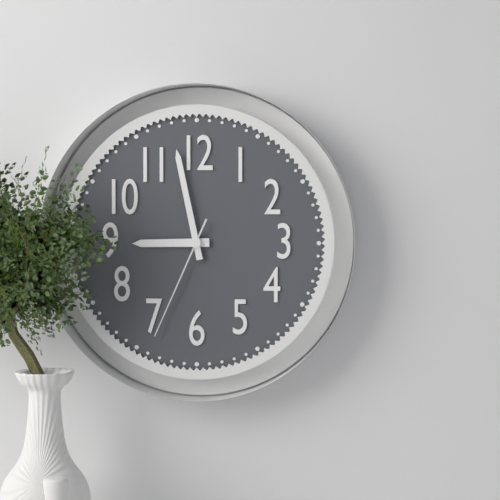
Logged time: 8 h 58 min 34 s
